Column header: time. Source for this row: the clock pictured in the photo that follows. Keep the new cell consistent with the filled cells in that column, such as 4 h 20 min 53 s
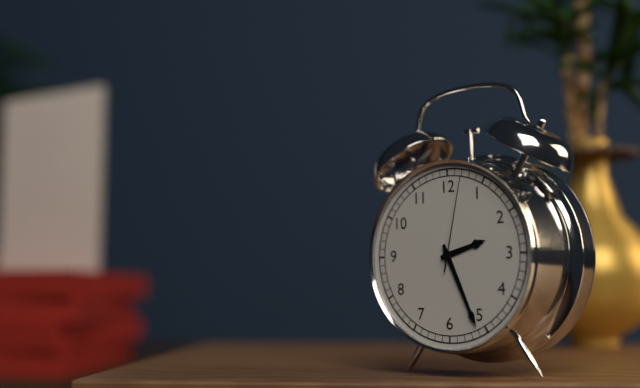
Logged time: 2 h 26 min 02 s
